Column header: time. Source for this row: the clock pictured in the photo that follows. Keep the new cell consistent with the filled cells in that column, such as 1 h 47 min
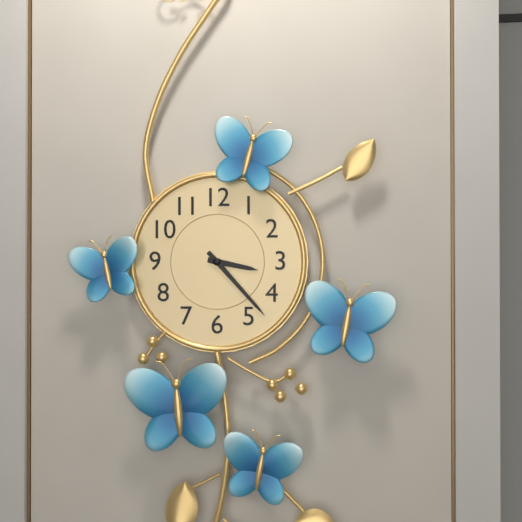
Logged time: 3 h 23 min
